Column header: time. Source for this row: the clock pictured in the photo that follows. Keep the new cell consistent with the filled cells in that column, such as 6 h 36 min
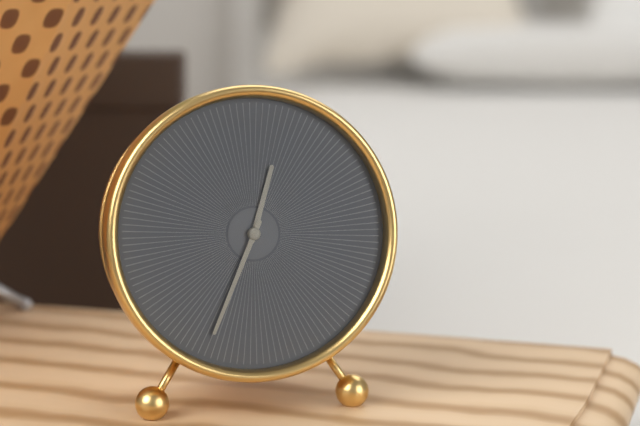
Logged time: 12 h 34 min
